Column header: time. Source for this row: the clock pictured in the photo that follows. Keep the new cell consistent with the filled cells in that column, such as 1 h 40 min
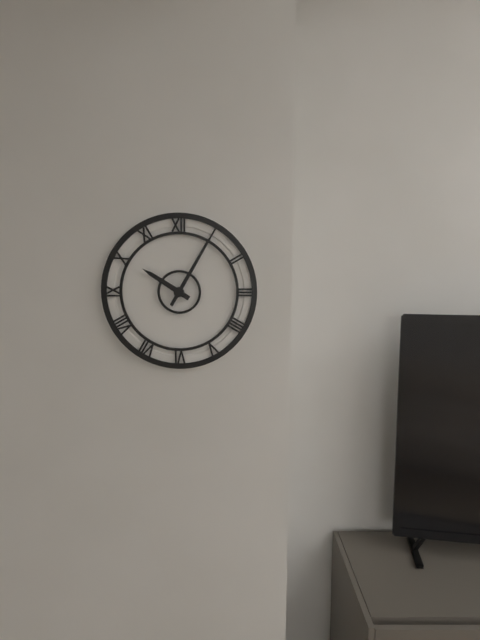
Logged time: 10 h 05 min
